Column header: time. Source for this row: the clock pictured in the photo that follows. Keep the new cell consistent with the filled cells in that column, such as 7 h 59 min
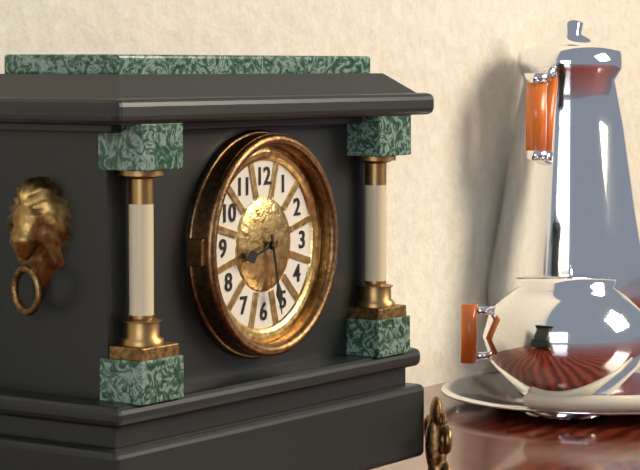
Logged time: 8 h 28 min
